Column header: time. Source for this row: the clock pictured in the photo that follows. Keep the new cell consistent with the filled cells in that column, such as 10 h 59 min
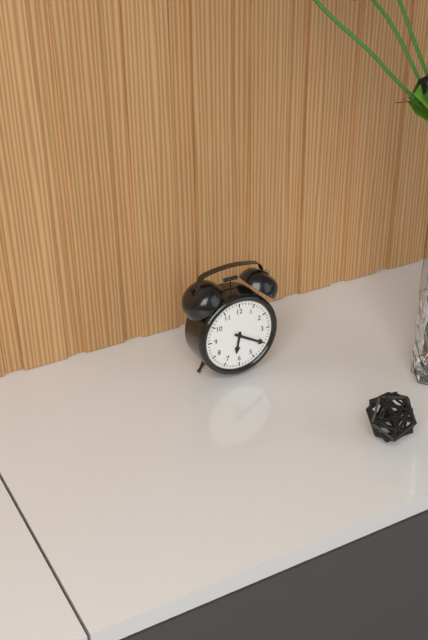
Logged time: 6 h 20 min
